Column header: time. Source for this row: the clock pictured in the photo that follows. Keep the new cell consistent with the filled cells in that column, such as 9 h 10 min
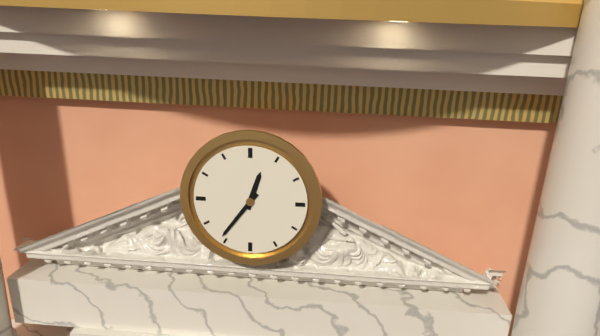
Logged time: 12 h 36 min
